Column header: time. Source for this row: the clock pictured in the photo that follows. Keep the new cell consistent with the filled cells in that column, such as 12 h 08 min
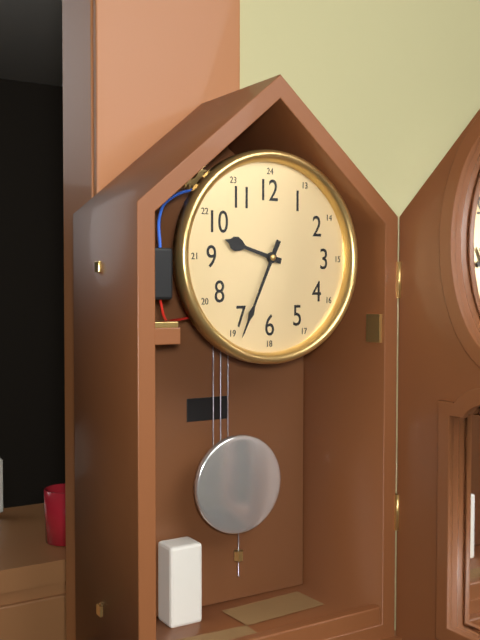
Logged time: 9 h 34 min
